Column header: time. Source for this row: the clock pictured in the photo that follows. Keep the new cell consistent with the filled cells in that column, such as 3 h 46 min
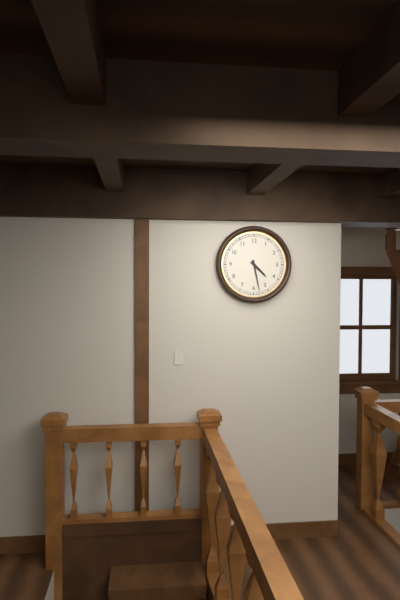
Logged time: 4 h 28 min
